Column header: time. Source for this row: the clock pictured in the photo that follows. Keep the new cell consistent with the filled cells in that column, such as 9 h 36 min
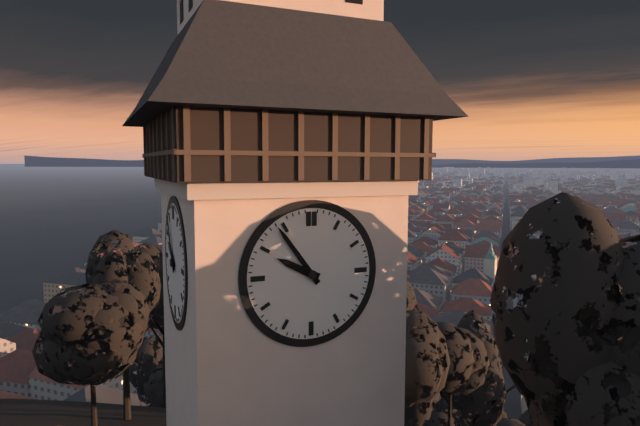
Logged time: 9 h 54 min
